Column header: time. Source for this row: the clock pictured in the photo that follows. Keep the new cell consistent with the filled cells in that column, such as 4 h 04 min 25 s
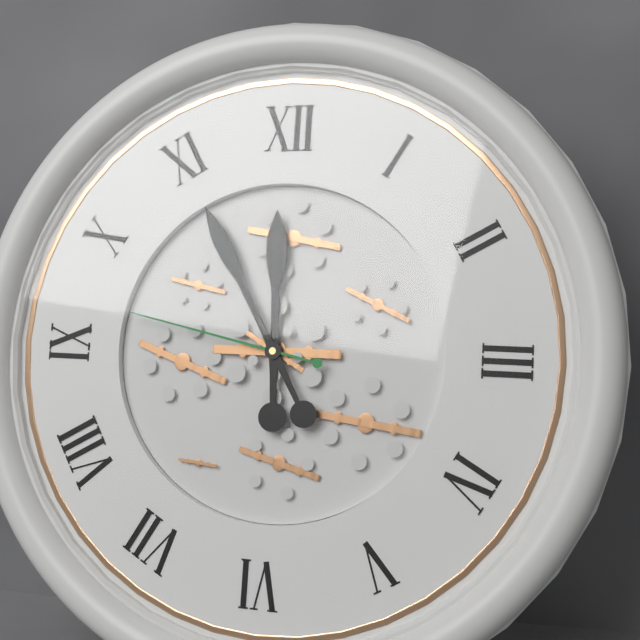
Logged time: 11 h 55 min 47 s
